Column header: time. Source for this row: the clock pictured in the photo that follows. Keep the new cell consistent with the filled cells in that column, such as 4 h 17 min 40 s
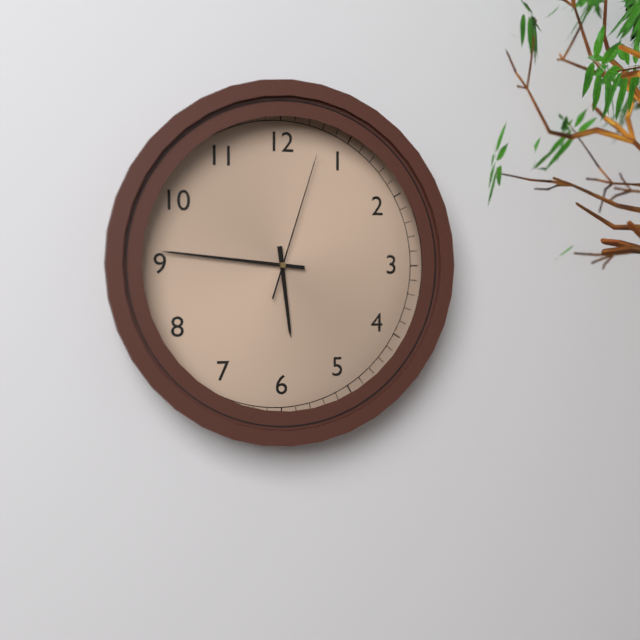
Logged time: 5 h 46 min 03 s
